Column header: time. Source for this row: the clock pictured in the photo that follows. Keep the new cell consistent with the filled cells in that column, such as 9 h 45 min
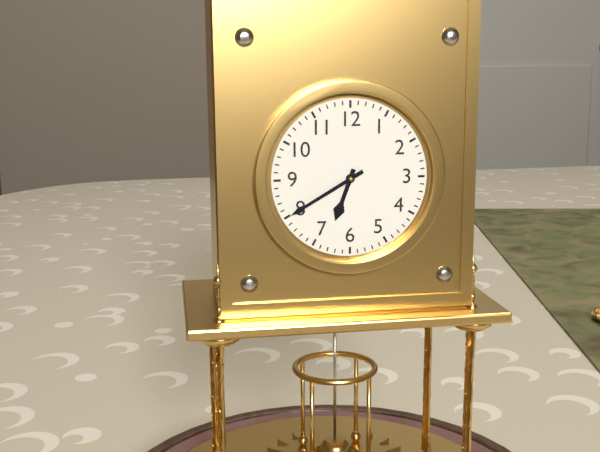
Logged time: 6 h 40 min
